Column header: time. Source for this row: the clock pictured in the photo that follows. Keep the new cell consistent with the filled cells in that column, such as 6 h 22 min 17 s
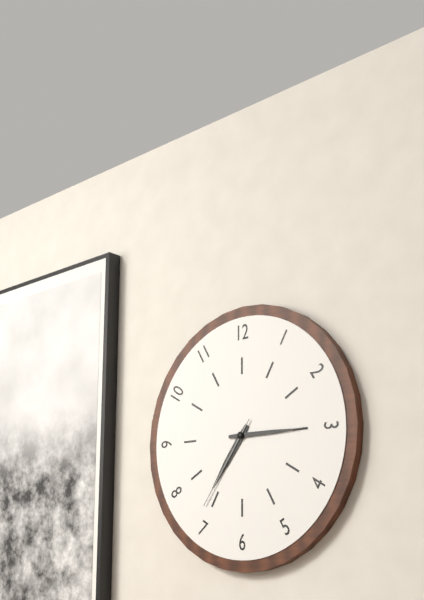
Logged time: 7 h 15 min 36 s
